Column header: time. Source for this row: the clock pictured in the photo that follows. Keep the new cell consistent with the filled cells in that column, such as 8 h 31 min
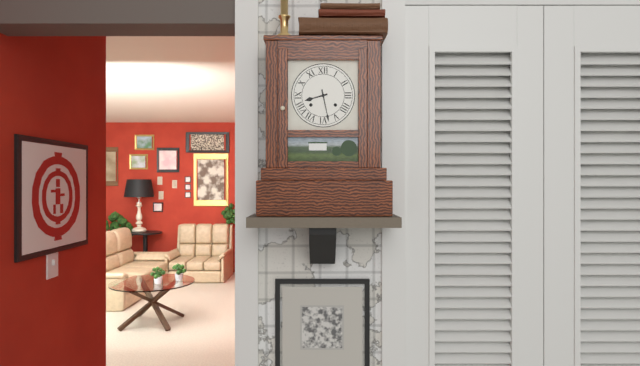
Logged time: 8 h 28 min
